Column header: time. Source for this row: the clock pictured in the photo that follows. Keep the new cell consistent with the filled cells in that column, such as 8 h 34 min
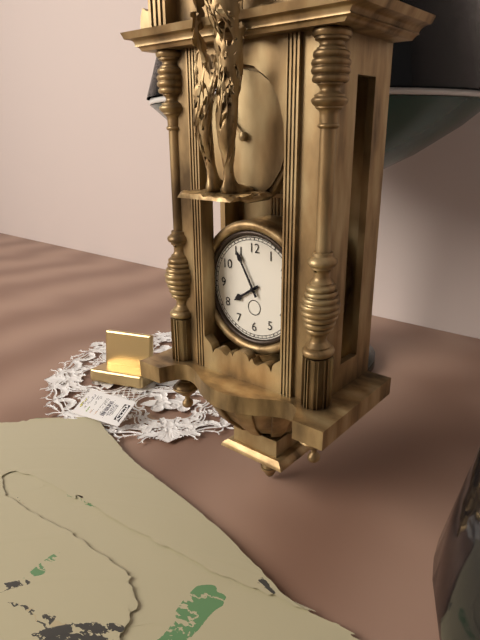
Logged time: 7 h 55 min
